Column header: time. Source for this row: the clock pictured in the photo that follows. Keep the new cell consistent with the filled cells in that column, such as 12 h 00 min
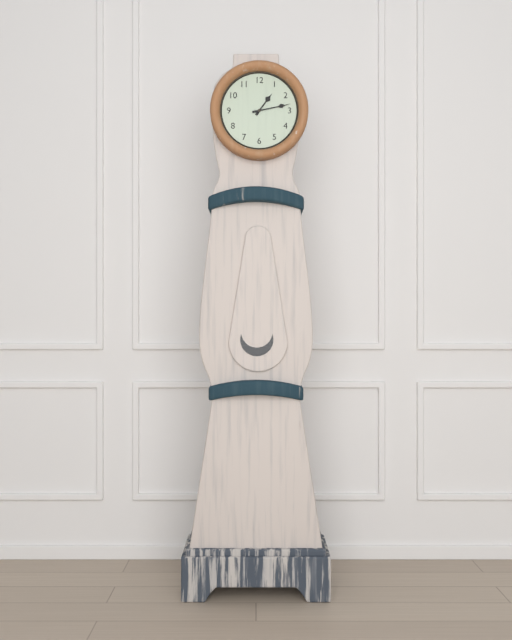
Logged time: 1 h 13 min
